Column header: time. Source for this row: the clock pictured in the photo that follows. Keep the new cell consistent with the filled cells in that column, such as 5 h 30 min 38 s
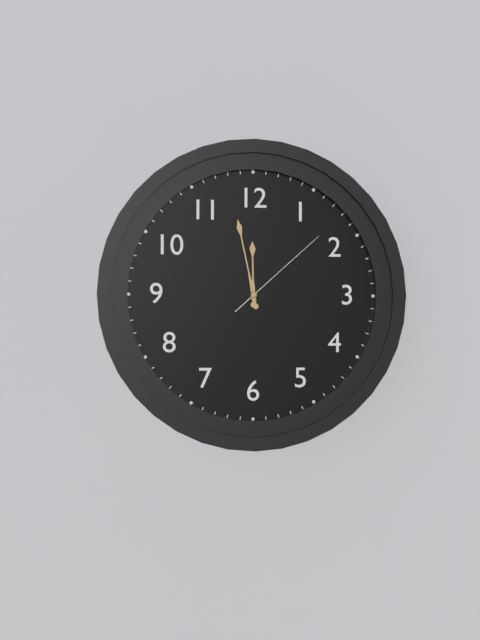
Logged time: 11 h 58 min 08 s
